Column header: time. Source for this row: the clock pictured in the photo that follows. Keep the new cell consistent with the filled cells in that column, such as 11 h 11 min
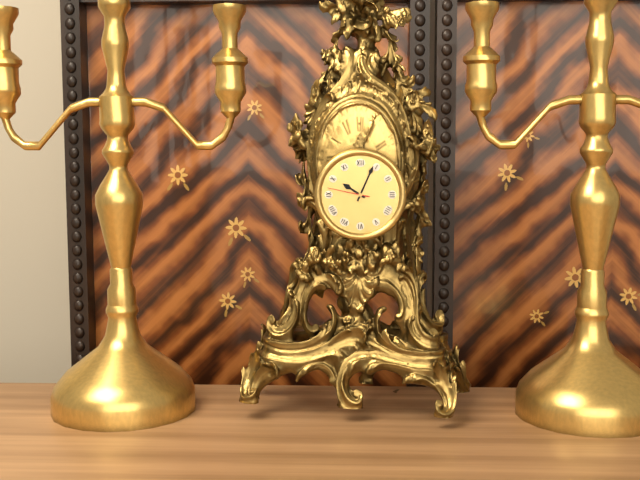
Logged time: 10 h 04 min
